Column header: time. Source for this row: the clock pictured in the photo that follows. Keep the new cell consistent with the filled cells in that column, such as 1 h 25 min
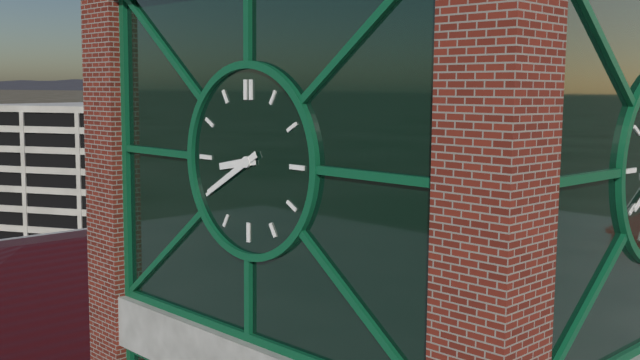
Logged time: 8 h 40 min
